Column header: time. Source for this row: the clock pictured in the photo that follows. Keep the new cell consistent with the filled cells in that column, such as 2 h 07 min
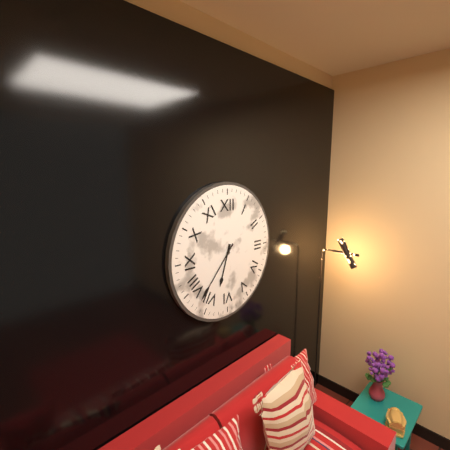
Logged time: 6 h 37 min
